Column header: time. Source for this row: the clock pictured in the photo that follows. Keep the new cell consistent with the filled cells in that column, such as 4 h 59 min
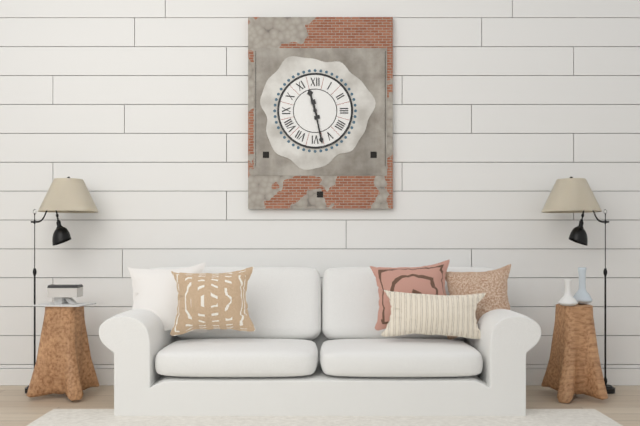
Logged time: 11 h 28 min
